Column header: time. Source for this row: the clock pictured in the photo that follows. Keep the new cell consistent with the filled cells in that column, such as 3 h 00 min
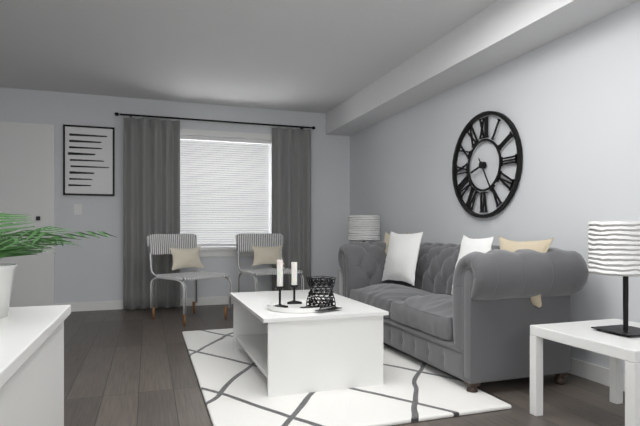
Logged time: 8 h 25 min
